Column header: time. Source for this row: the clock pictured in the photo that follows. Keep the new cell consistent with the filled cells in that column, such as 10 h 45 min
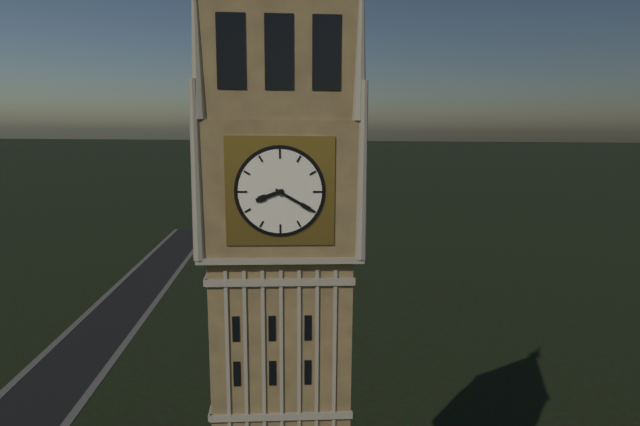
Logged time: 8 h 20 min
